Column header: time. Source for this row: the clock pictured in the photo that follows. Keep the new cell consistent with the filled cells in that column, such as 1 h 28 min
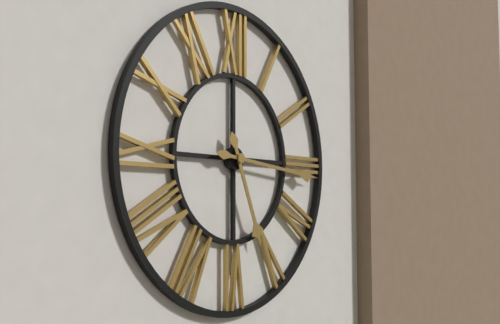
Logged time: 5 h 16 min
